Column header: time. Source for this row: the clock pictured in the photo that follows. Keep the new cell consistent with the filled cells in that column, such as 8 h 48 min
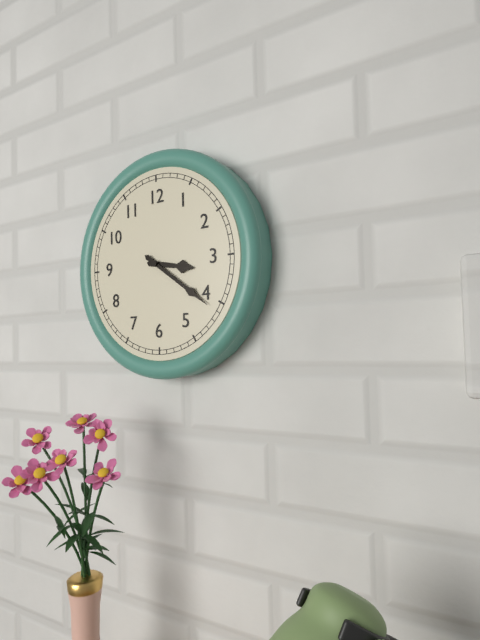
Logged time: 3 h 21 min
